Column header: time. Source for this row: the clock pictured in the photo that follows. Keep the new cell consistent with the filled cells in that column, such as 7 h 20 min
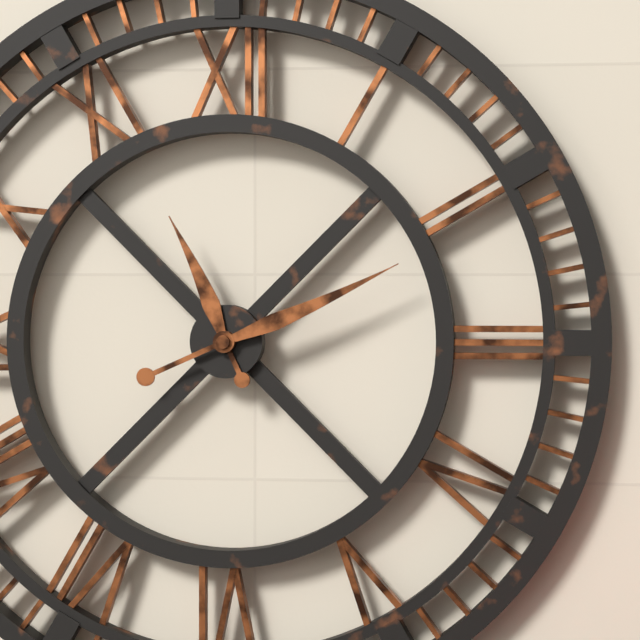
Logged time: 11 h 11 min
